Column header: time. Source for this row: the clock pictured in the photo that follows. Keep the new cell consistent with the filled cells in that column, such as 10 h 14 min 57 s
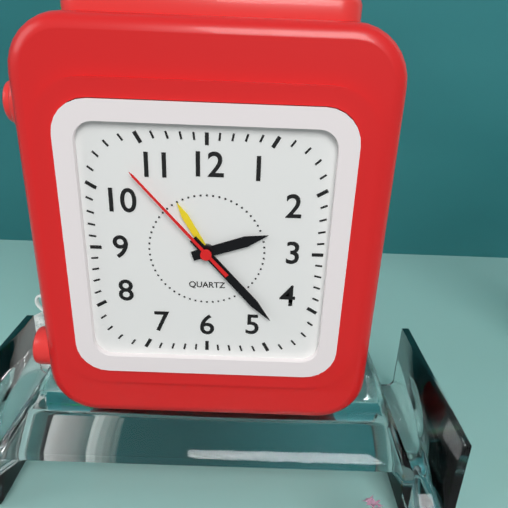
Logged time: 2 h 23 min 53 s
